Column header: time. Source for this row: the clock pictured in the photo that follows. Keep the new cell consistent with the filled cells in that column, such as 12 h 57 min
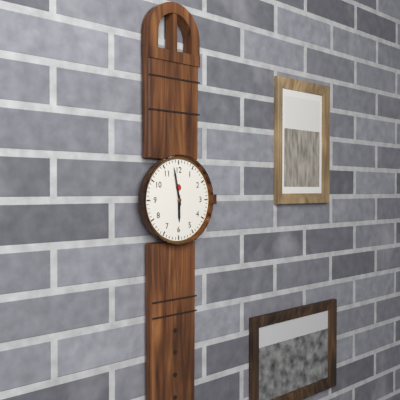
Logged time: 5 h 58 min
